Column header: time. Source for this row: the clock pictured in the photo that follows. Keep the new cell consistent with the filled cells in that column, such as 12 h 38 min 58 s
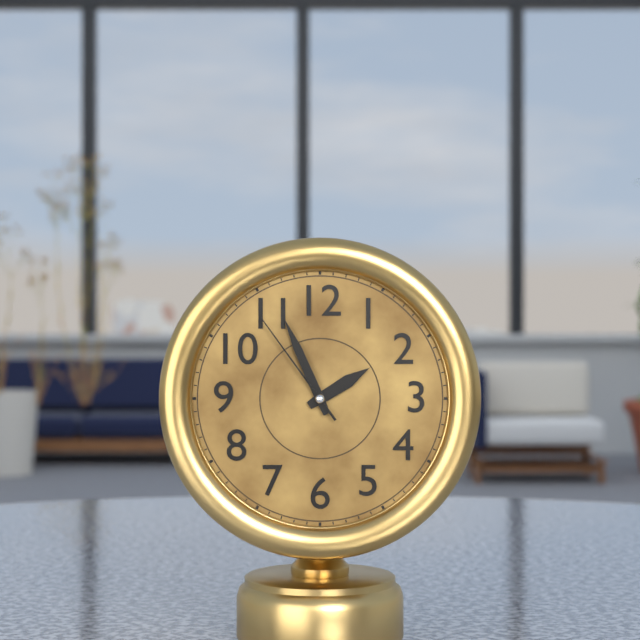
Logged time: 1 h 56 min 54 s
